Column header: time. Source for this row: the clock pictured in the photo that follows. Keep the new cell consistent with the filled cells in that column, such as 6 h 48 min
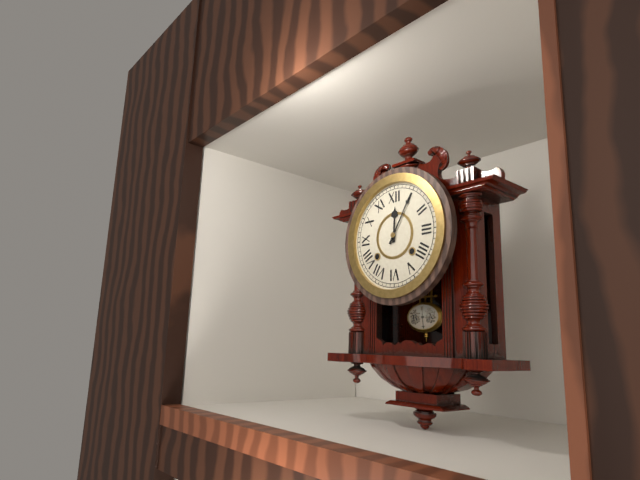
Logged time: 12 h 05 min
